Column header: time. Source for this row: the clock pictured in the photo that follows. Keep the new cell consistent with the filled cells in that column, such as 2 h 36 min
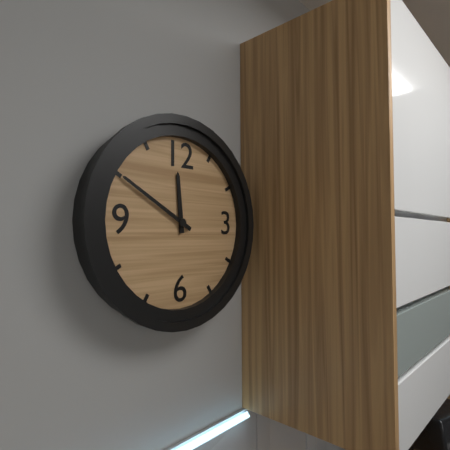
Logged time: 11 h 50 min
